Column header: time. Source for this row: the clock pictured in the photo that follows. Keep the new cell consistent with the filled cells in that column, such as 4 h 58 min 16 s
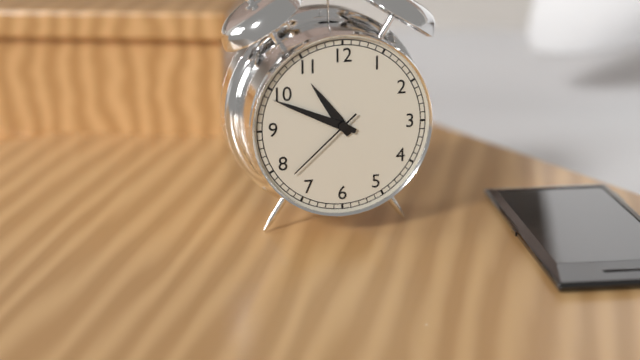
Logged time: 10 h 49 min 38 s
